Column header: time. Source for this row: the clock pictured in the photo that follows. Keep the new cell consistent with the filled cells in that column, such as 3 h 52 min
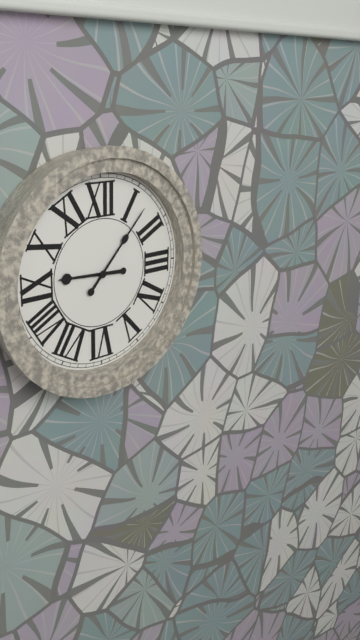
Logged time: 9 h 07 min
